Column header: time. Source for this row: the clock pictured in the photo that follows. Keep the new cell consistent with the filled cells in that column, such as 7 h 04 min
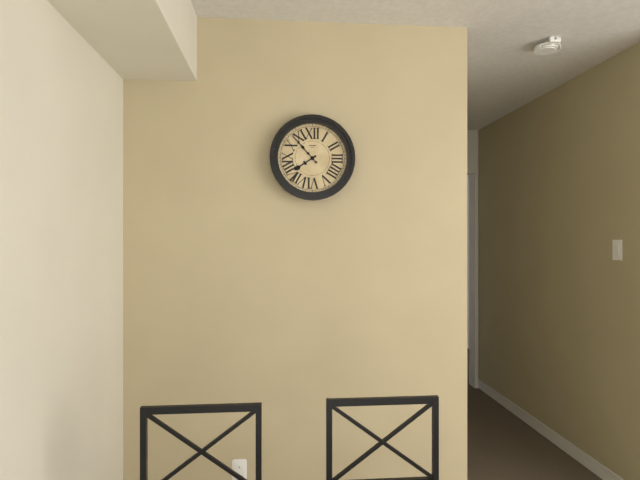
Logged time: 7 h 53 min
